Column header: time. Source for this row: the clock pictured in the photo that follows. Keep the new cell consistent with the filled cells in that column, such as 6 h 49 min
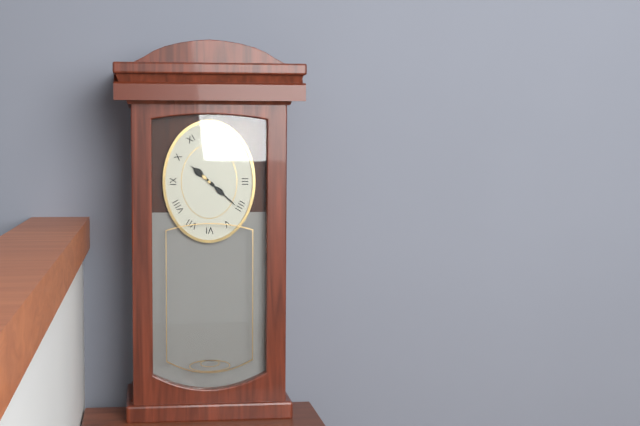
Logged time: 10 h 22 min
